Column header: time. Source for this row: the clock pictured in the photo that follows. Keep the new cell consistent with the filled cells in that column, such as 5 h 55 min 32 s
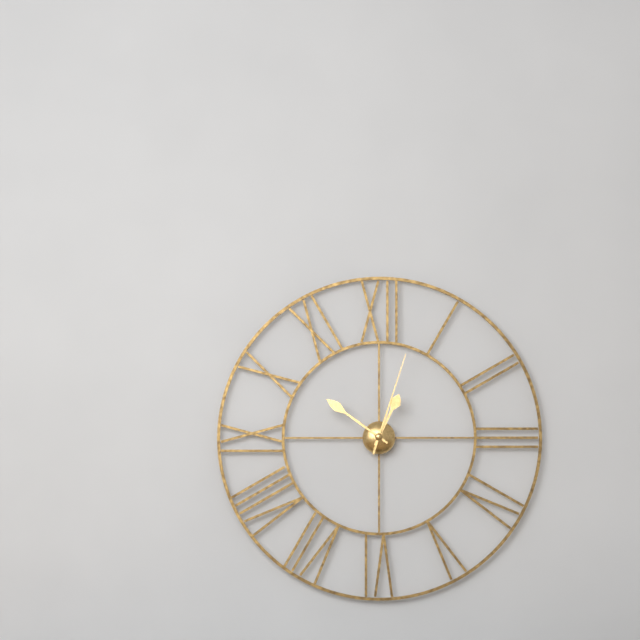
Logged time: 12 h 51 min 03 s
